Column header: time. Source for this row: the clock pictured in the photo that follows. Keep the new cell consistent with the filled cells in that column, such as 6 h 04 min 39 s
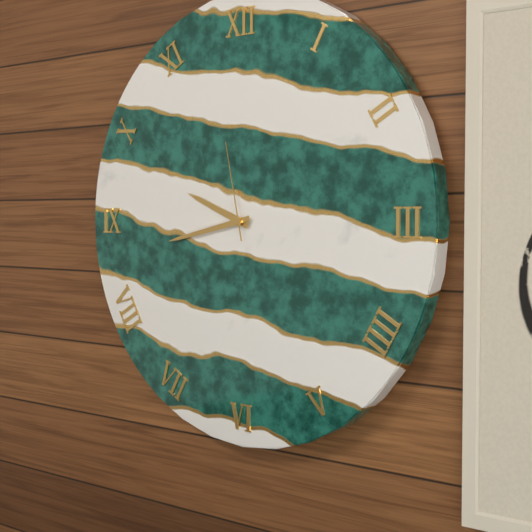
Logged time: 9 h 43 min 58 s
